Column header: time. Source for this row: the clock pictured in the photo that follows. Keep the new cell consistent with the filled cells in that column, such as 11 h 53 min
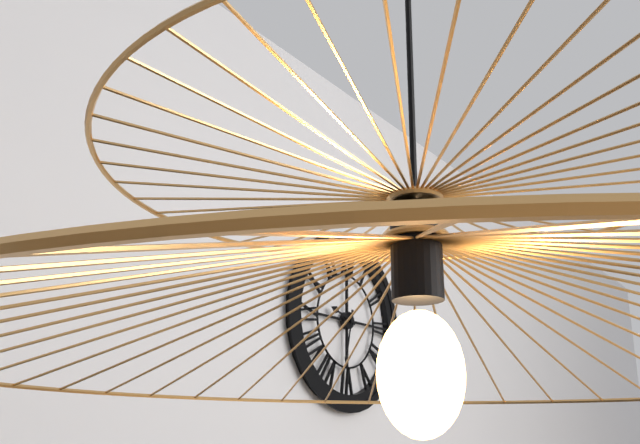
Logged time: 9 h 32 min
